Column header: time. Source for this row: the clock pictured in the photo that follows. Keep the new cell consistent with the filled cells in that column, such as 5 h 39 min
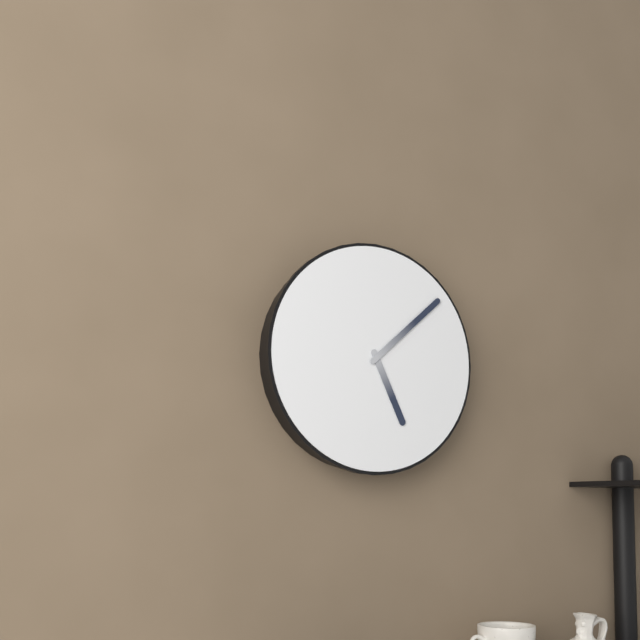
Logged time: 5 h 08 min
